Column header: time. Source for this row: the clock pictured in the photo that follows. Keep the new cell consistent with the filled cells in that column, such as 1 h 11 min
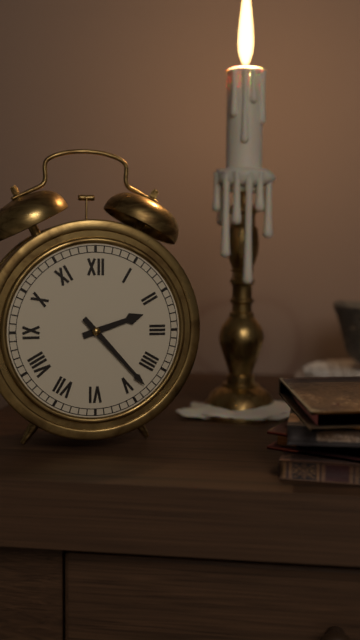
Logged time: 2 h 23 min
